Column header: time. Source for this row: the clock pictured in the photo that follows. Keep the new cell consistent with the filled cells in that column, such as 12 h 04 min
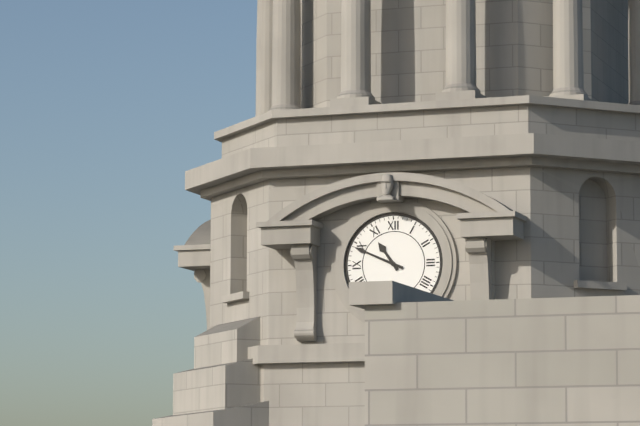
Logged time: 10 h 49 min
